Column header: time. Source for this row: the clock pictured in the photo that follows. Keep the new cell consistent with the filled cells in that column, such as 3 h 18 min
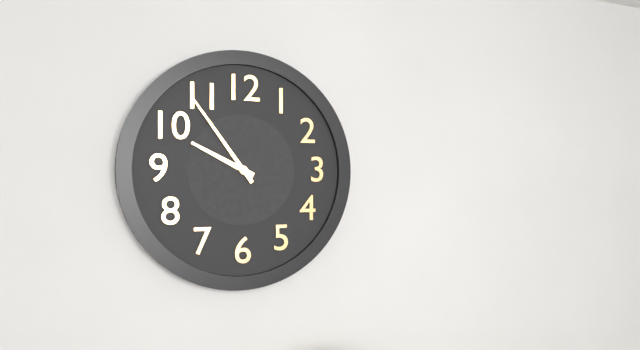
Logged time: 9 h 54 min
